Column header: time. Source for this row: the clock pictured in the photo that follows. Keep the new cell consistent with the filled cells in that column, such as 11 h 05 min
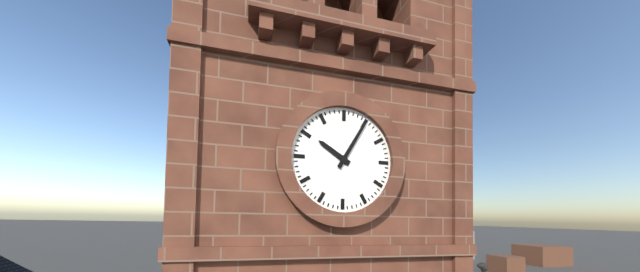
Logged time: 10 h 05 min
